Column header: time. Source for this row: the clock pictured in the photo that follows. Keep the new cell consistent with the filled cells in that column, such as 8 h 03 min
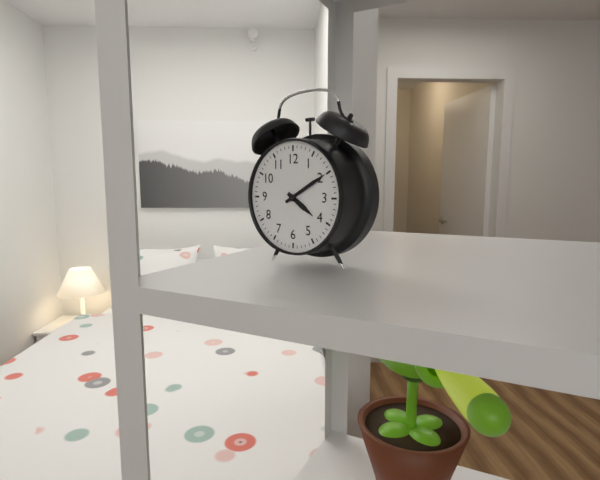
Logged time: 4 h 10 min
